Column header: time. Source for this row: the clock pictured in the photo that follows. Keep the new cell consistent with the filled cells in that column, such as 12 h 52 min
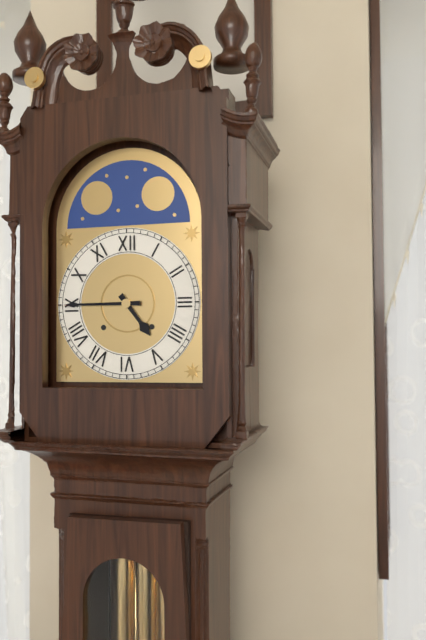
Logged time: 4 h 45 min
